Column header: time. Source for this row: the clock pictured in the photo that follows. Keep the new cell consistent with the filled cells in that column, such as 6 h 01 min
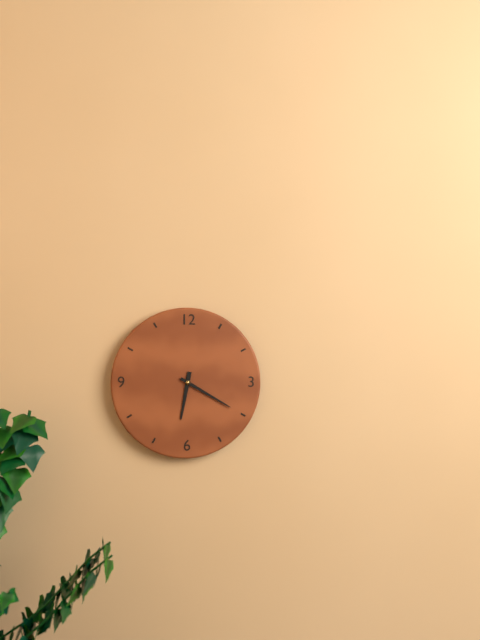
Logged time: 6 h 20 min
